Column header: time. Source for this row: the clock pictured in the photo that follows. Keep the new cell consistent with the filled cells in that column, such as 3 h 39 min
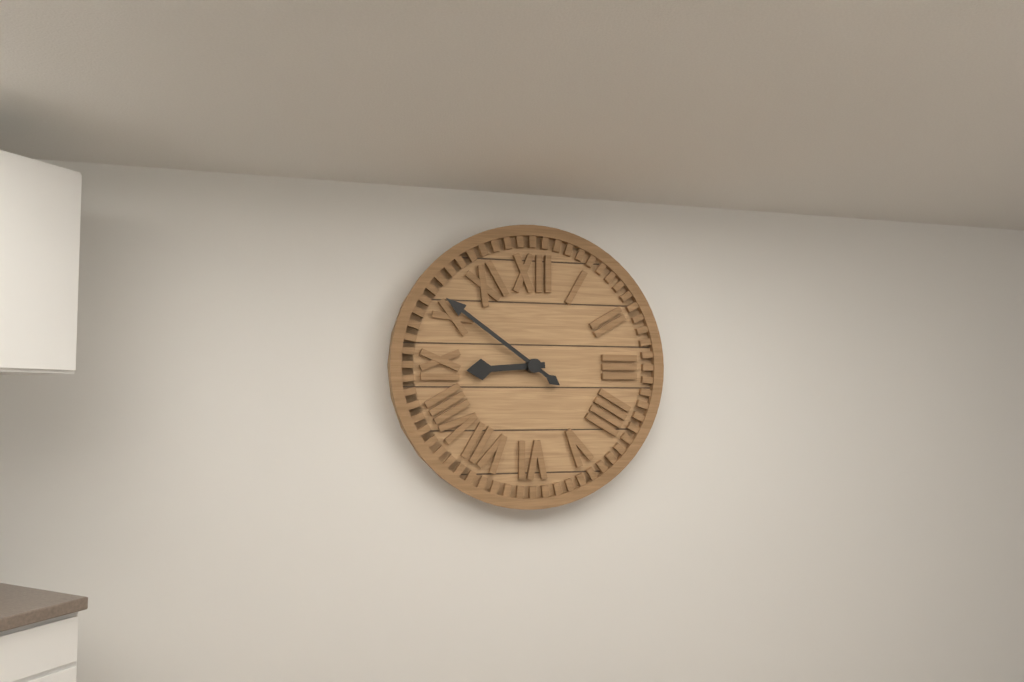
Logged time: 8 h 51 min
